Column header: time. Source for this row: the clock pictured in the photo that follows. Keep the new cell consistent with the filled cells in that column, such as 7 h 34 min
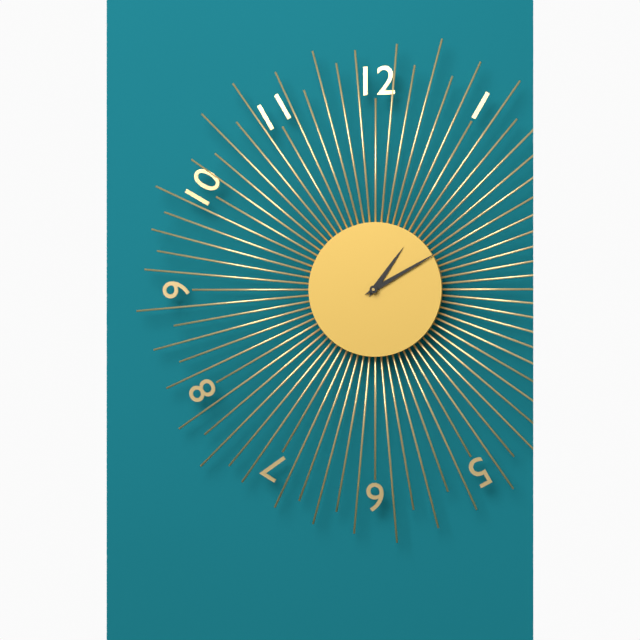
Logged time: 1 h 10 min
